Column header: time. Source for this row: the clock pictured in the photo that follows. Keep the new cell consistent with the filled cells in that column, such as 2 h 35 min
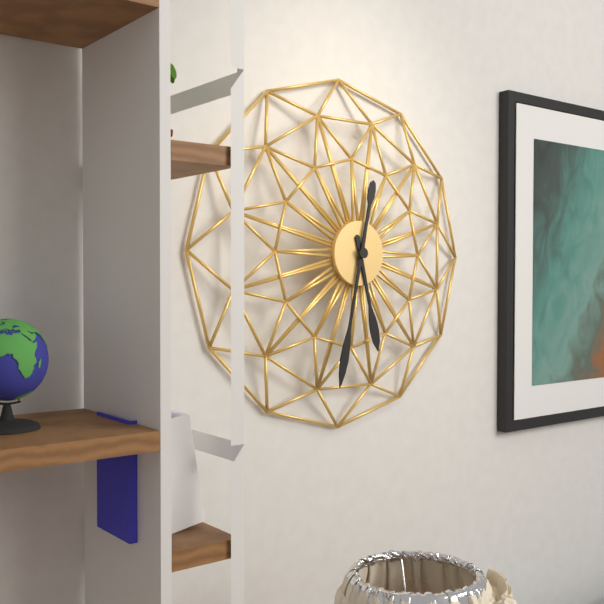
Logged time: 5 h 32 min
